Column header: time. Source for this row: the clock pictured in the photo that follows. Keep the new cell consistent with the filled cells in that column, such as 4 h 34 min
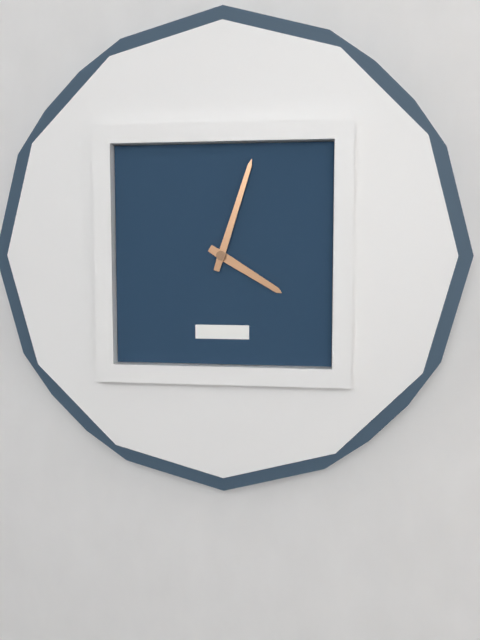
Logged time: 4 h 03 min
